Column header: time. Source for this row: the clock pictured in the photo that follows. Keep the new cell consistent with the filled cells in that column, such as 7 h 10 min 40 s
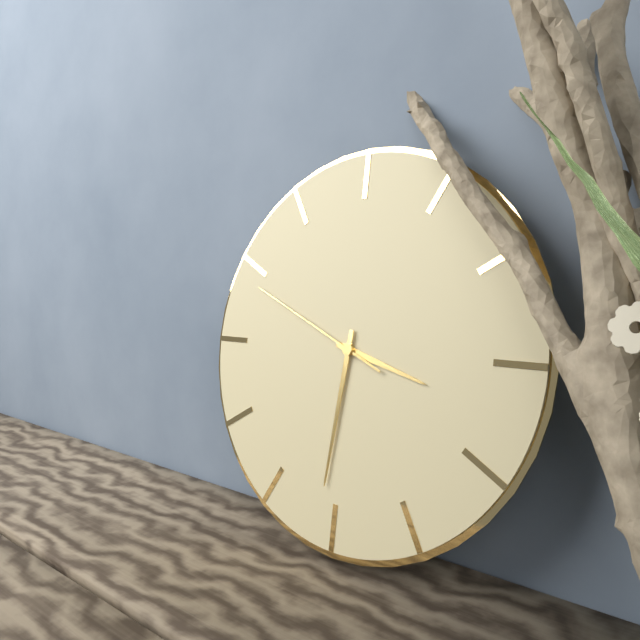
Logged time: 3 h 31 min 49 s
